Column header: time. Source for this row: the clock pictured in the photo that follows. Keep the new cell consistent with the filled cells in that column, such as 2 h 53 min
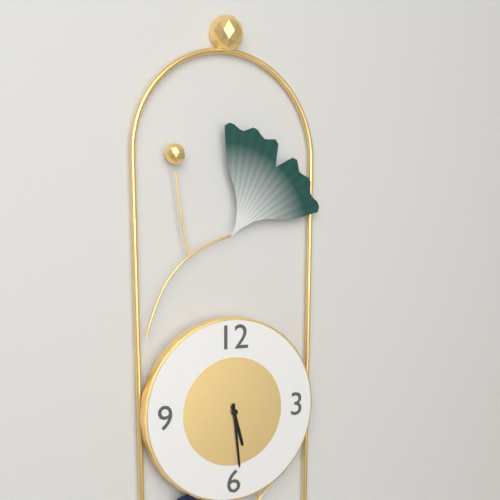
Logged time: 5 h 29 min
